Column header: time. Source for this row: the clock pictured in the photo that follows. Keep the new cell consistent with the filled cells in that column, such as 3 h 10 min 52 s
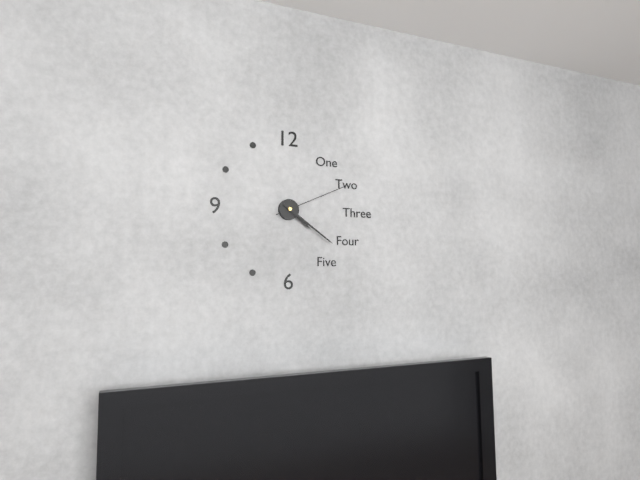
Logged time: 4 h 21 min 11 s
